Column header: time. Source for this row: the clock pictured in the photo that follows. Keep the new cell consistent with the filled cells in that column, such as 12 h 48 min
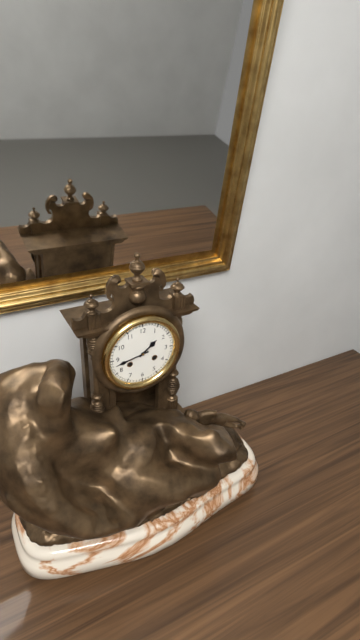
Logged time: 1 h 43 min
